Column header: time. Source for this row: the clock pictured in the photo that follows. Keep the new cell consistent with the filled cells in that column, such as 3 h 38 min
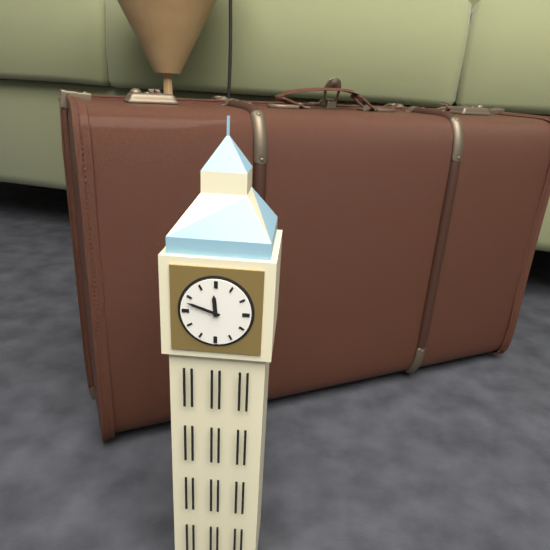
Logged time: 11 h 48 min
